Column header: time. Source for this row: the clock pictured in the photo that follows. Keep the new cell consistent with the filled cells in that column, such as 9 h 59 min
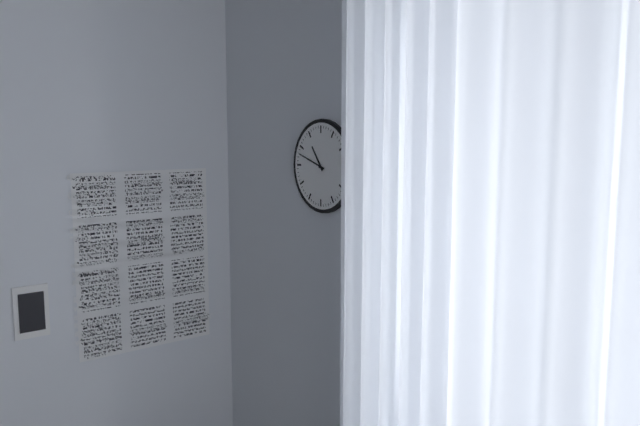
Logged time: 10 h 48 min
